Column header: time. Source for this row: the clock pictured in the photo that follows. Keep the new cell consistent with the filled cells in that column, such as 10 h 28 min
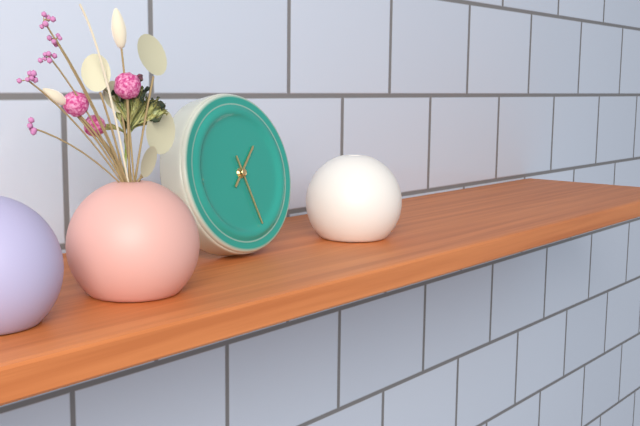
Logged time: 1 h 27 min
